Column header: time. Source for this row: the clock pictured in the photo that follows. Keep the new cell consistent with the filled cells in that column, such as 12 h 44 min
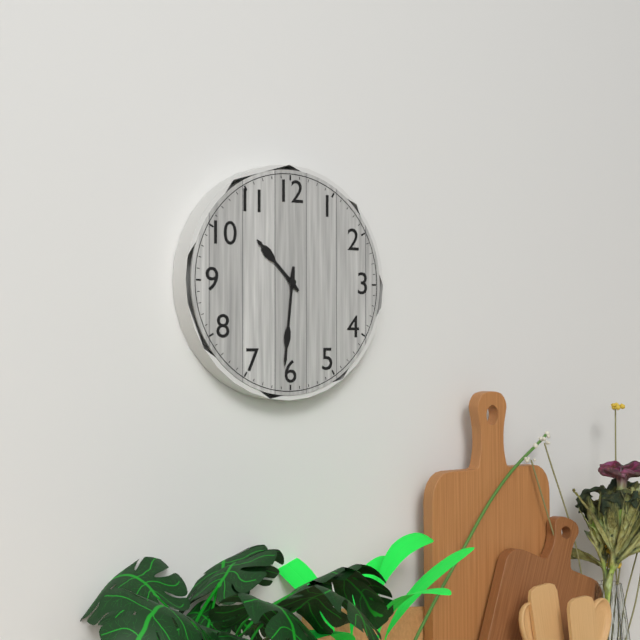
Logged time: 10 h 31 min
